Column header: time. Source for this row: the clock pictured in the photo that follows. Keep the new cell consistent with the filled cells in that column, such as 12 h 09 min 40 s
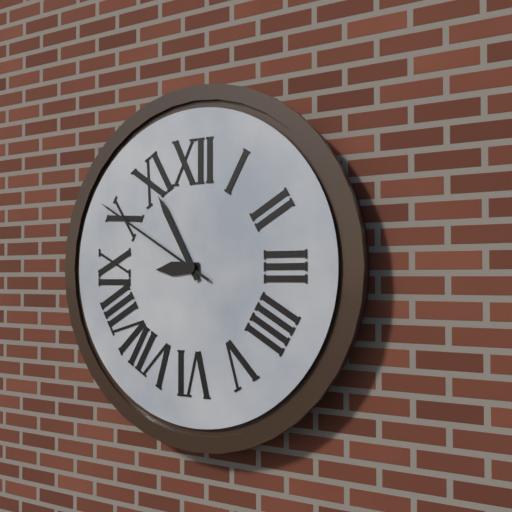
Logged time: 8 h 55 min 50 s
